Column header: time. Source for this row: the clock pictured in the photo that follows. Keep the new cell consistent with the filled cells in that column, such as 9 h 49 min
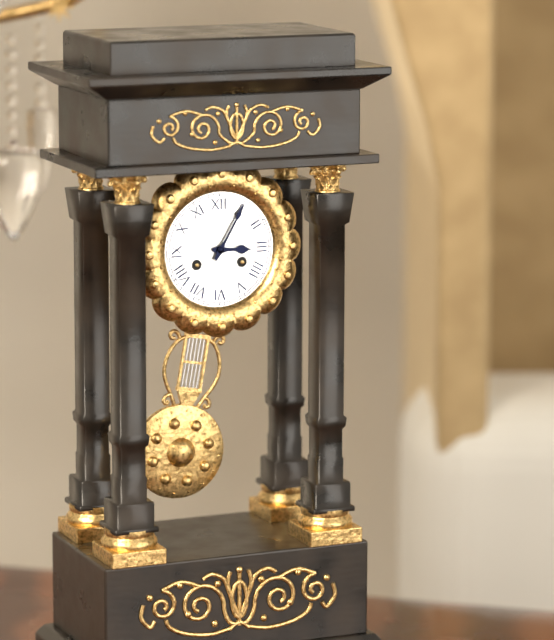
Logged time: 3 h 05 min
